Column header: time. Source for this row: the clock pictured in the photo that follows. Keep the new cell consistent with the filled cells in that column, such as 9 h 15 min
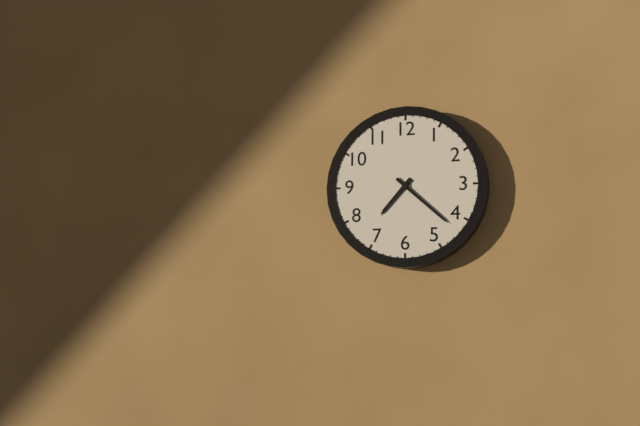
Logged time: 7 h 22 min
